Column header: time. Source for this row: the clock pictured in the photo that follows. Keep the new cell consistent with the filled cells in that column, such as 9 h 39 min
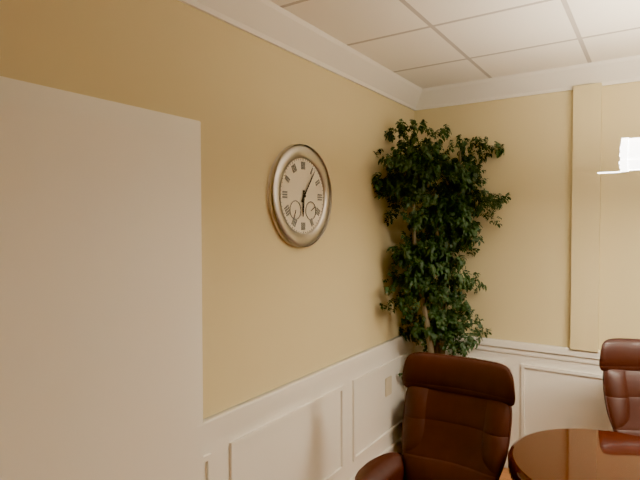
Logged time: 6 h 06 min
